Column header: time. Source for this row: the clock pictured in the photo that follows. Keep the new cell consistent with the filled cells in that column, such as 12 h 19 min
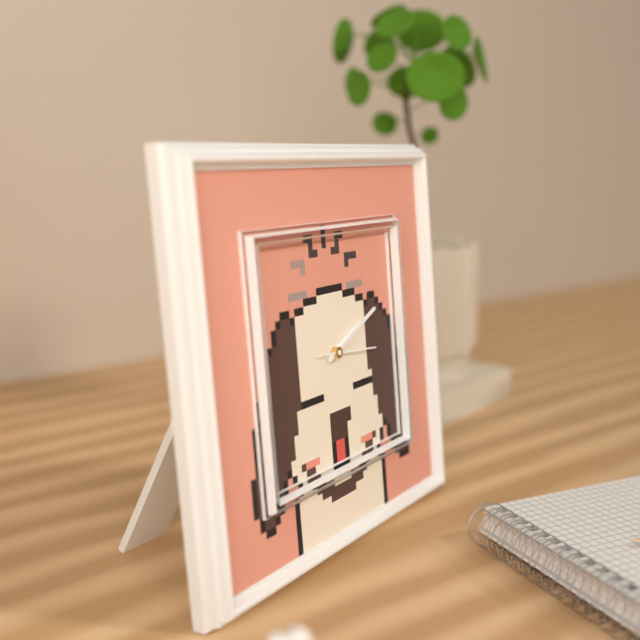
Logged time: 2 h 11 min
